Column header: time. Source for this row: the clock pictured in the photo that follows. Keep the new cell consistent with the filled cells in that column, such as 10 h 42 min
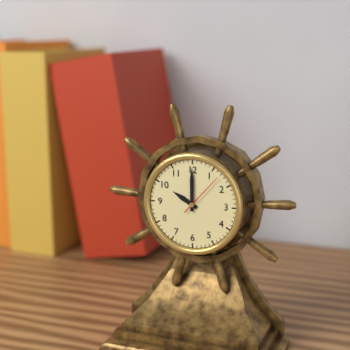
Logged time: 10 h 00 min
